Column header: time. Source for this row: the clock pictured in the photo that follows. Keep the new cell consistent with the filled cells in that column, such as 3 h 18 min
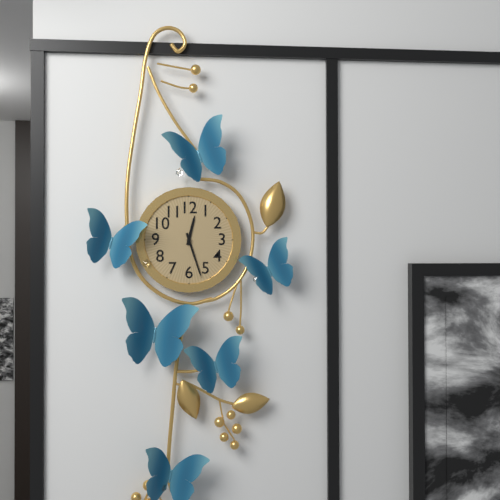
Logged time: 12 h 27 min
